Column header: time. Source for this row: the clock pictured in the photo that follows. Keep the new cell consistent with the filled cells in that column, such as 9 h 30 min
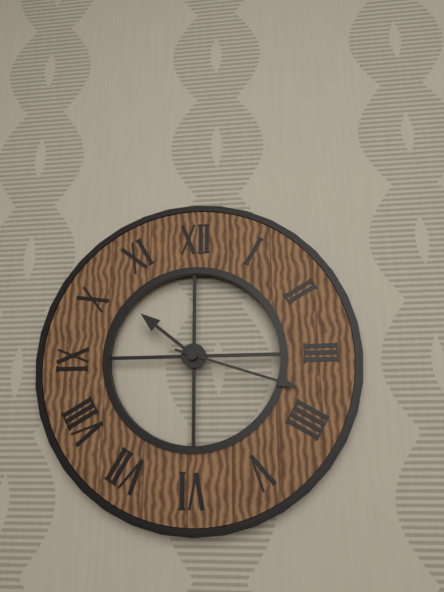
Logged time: 10 h 18 min
